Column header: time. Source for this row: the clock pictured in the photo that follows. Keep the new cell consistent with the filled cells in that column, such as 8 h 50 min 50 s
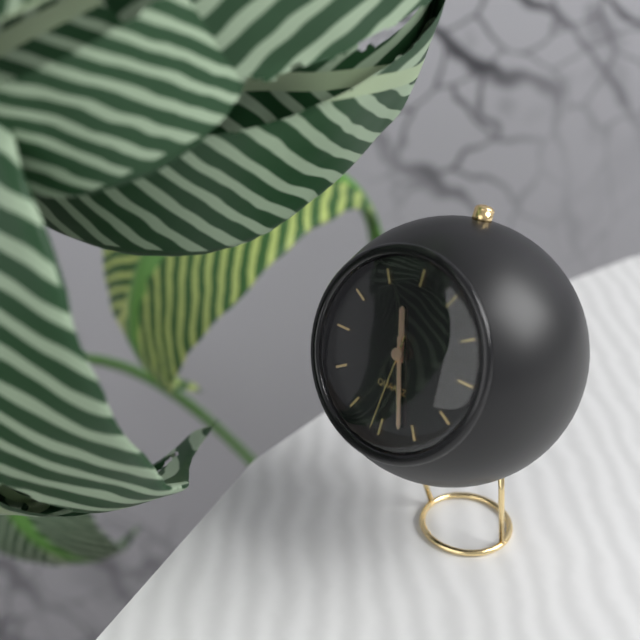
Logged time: 11 h 27 min 31 s
